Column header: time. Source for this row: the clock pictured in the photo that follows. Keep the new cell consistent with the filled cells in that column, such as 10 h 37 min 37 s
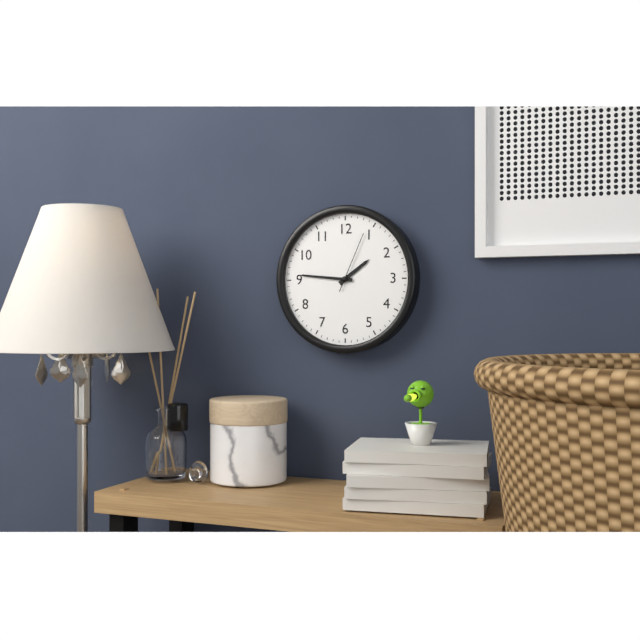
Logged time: 1 h 46 min 04 s
